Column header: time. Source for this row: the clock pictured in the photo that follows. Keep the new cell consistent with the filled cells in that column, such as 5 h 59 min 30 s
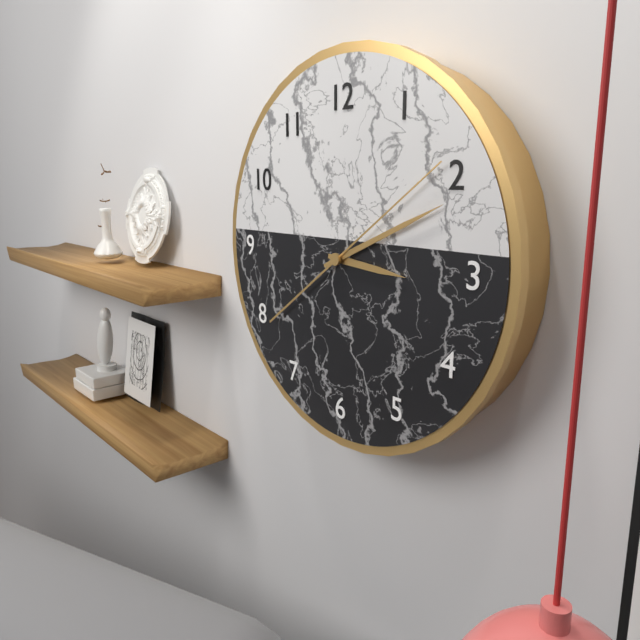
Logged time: 3 h 11 min 09 s
